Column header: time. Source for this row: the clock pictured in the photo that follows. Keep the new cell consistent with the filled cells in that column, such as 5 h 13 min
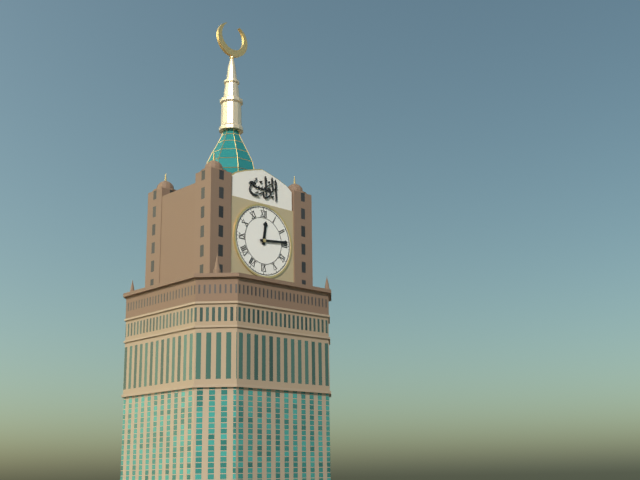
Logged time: 12 h 14 min
